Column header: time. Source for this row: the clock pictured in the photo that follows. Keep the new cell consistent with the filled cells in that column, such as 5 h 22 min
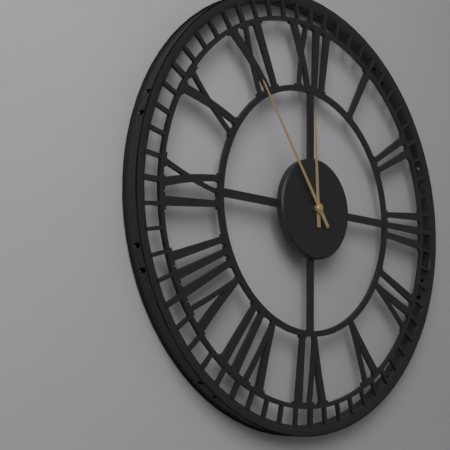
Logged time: 11 h 54 min
